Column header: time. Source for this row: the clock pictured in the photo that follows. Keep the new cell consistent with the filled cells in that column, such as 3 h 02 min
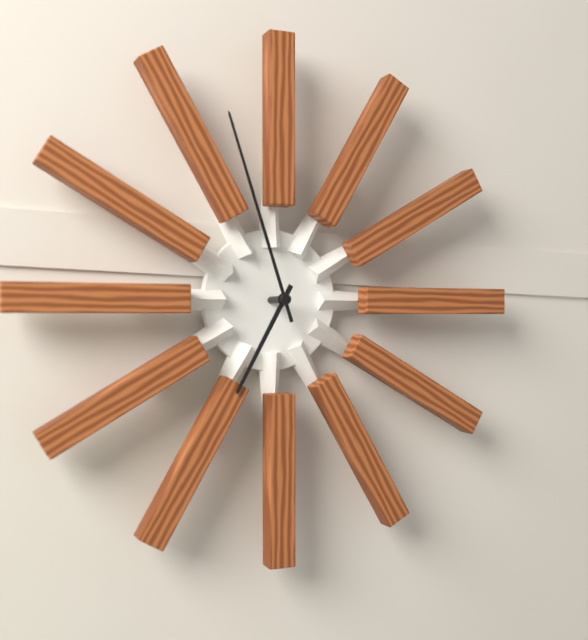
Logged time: 6 h 57 min
